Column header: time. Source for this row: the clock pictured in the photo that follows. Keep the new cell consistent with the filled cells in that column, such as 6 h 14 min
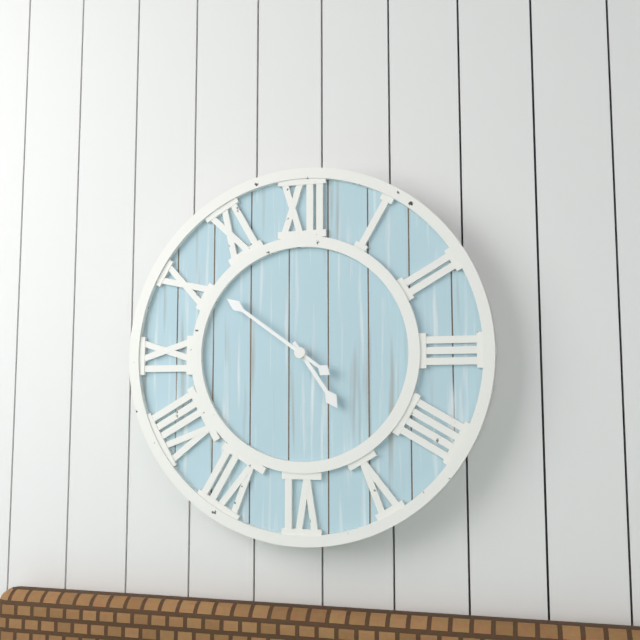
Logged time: 4 h 51 min
